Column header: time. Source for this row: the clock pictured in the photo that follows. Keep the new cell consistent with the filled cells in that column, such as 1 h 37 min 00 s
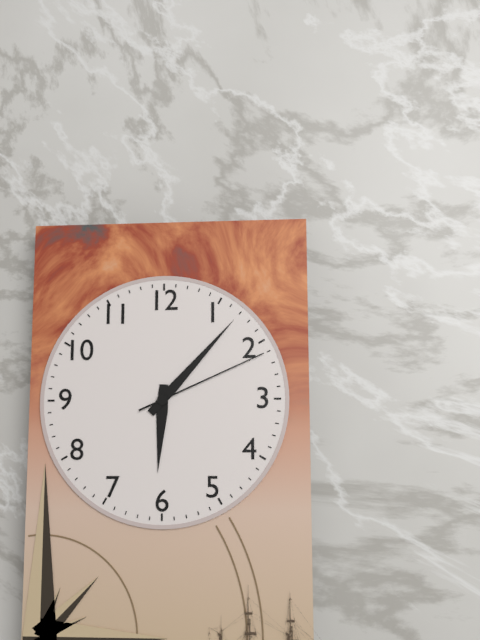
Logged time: 6 h 07 min 11 s
